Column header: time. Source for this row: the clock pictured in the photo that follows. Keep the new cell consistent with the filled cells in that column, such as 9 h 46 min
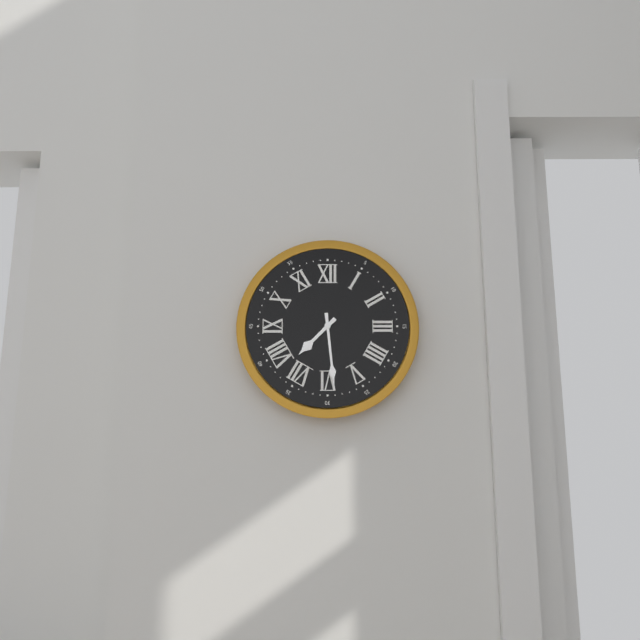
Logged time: 7 h 29 min
